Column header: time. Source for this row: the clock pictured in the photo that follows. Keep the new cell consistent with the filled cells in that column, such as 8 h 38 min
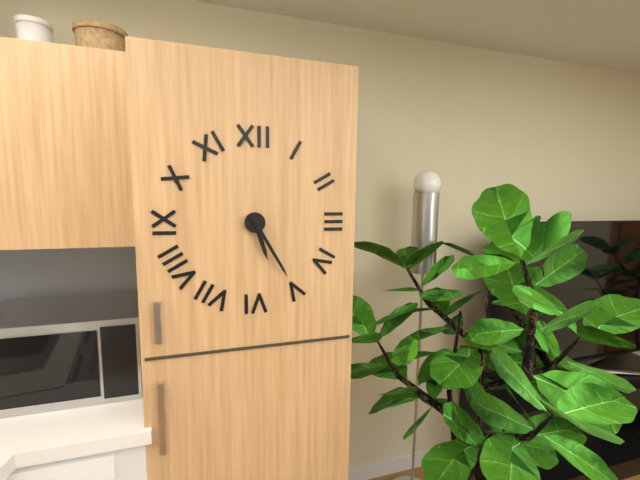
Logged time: 5 h 25 min
